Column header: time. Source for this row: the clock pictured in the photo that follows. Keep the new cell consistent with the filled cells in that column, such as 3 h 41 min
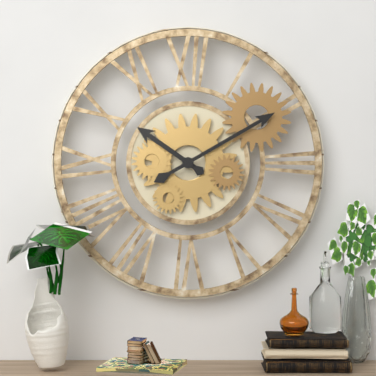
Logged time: 10 h 10 min
